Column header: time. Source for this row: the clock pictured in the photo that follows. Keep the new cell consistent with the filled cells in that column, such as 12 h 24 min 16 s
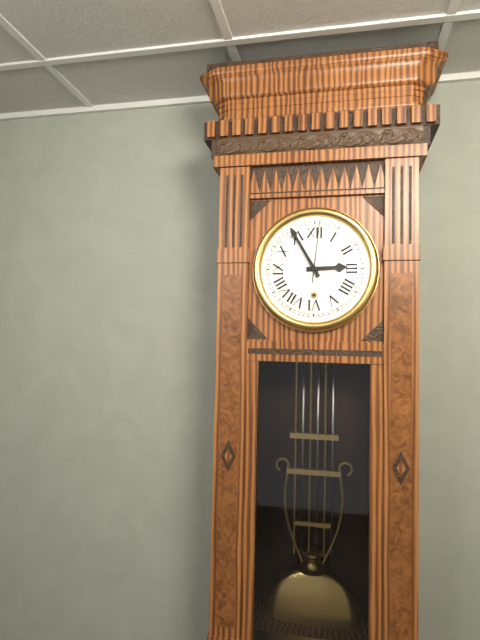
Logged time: 2 h 55 min 01 s
